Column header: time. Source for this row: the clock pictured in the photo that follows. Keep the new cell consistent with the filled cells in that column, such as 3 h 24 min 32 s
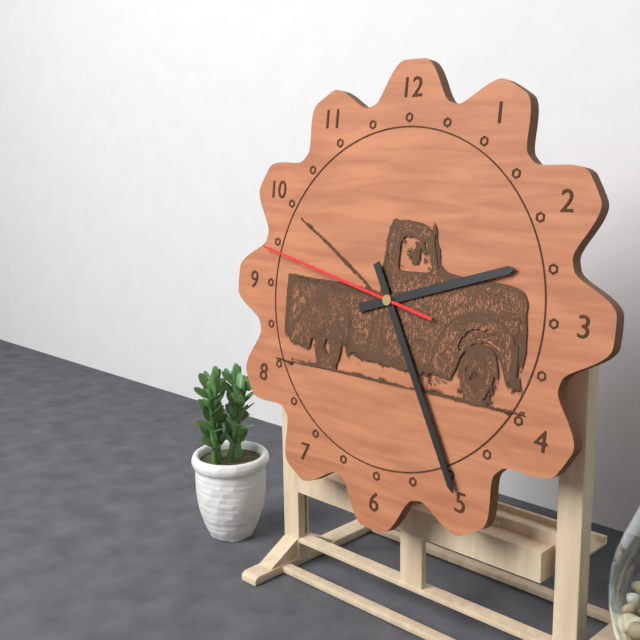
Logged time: 2 h 25 min 47 s
